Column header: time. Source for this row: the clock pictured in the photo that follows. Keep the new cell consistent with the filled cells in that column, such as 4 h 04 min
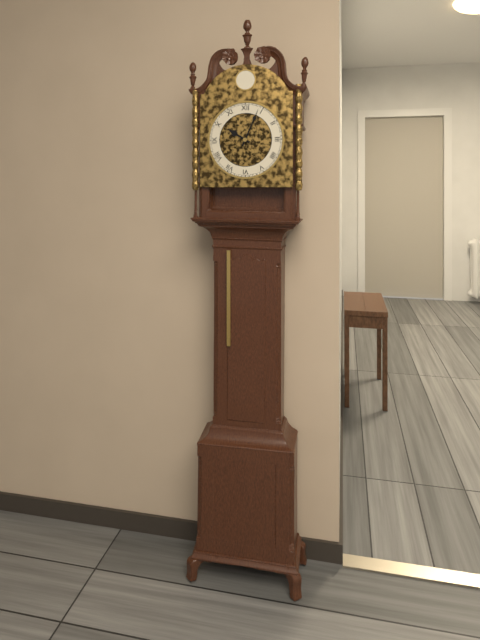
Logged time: 10 h 04 min
